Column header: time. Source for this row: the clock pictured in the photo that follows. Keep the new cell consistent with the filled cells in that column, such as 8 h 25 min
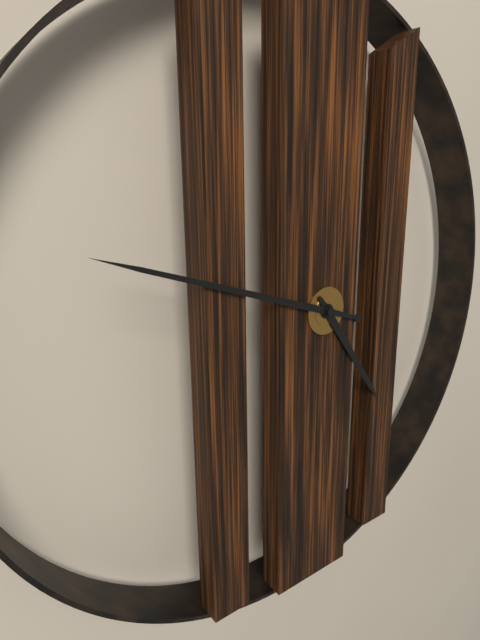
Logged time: 4 h 48 min
